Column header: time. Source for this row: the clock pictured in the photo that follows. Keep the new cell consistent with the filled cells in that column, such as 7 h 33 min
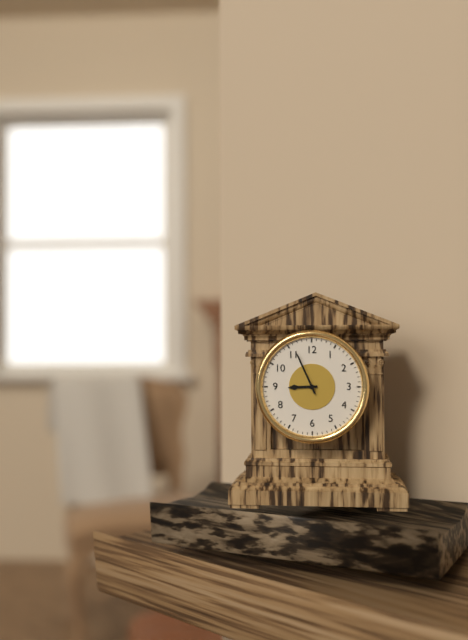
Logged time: 8 h 56 min
